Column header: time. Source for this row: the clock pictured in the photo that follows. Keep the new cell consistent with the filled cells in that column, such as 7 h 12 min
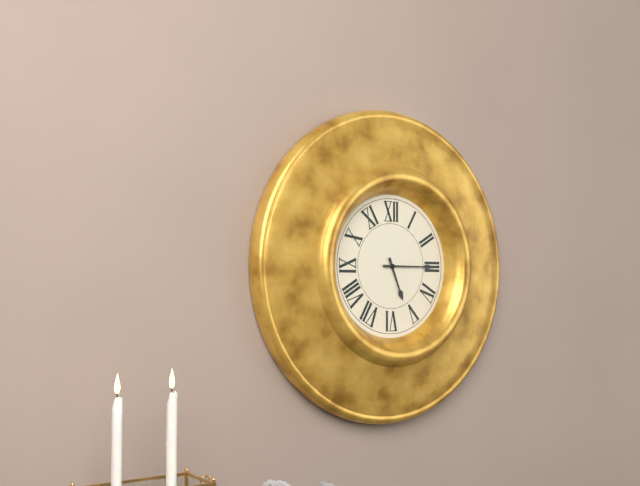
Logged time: 5 h 15 min
